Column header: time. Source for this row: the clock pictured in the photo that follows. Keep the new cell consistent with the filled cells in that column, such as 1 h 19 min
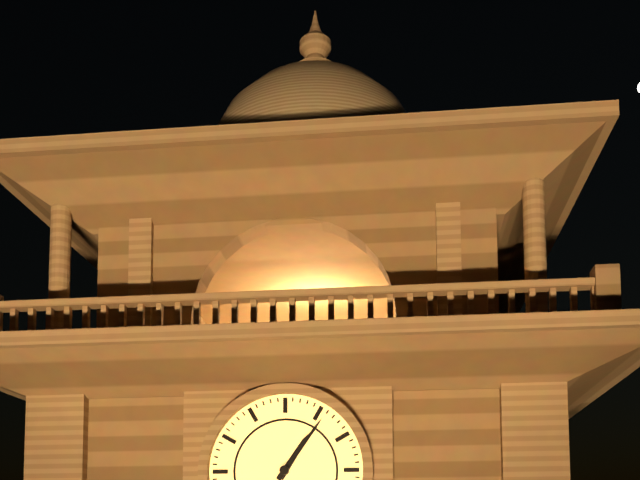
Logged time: 1 h 06 min
